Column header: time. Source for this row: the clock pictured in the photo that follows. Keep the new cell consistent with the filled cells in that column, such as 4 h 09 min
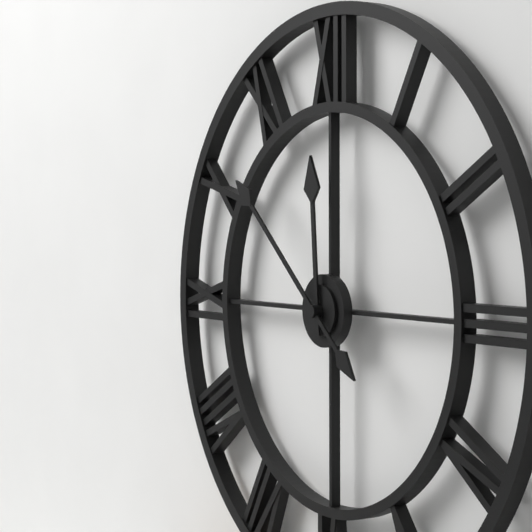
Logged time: 11 h 52 min
